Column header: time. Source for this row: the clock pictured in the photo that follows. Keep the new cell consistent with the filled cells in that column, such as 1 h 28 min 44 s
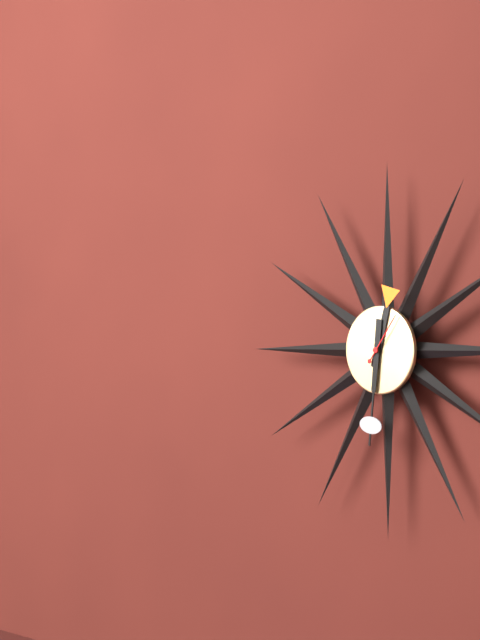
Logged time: 12 h 31 min 06 s
